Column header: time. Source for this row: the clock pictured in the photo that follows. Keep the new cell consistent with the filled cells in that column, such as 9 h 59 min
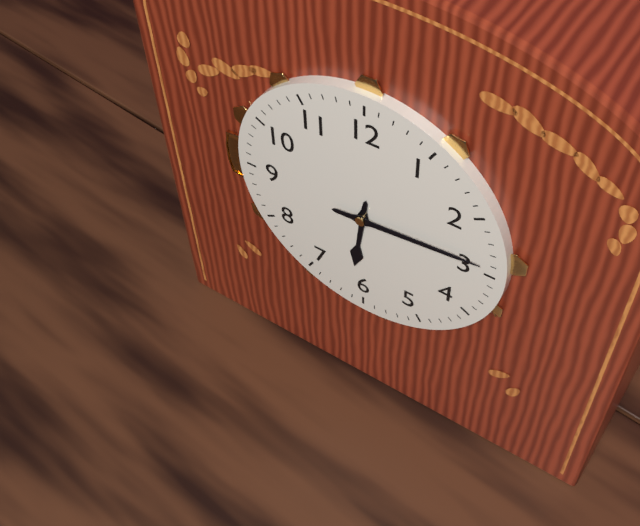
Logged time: 6 h 14 min
